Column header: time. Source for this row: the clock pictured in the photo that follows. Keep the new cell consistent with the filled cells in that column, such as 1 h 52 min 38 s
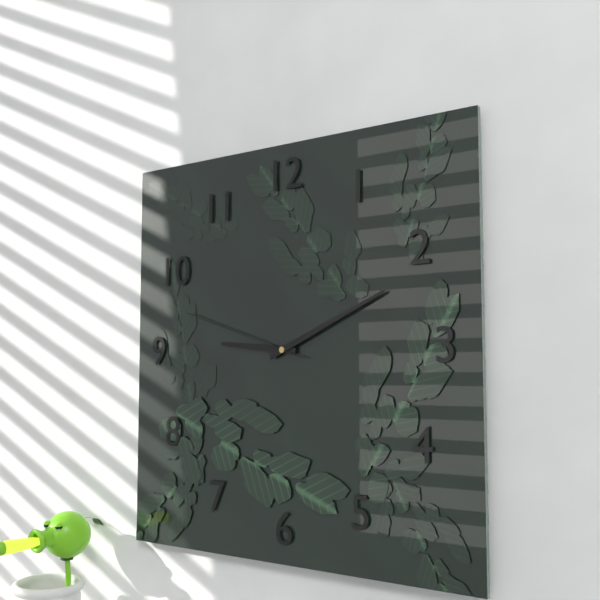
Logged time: 9 h 11 min 48 s
